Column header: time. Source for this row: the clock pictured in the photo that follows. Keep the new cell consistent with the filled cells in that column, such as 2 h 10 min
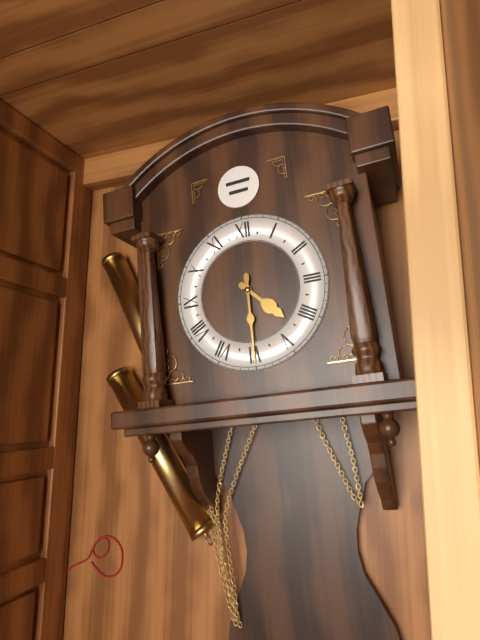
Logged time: 4 h 30 min
